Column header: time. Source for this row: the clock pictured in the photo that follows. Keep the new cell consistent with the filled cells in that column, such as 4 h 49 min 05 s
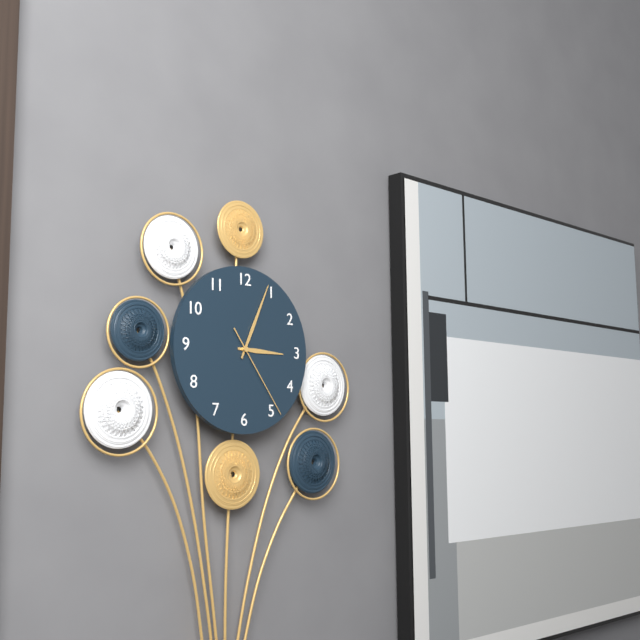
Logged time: 3 h 04 min 24 s
